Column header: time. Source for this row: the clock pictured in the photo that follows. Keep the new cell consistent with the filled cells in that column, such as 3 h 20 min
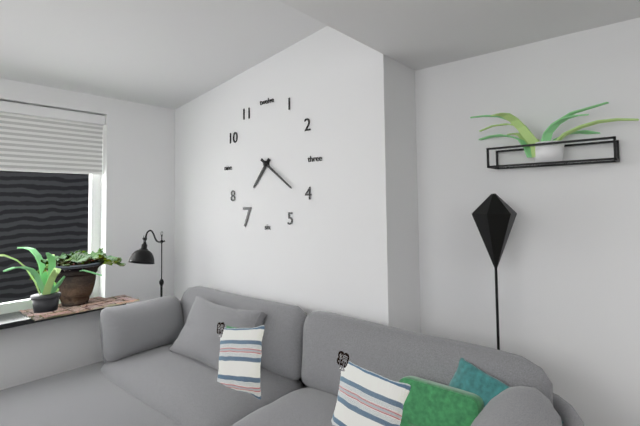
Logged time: 7 h 21 min
